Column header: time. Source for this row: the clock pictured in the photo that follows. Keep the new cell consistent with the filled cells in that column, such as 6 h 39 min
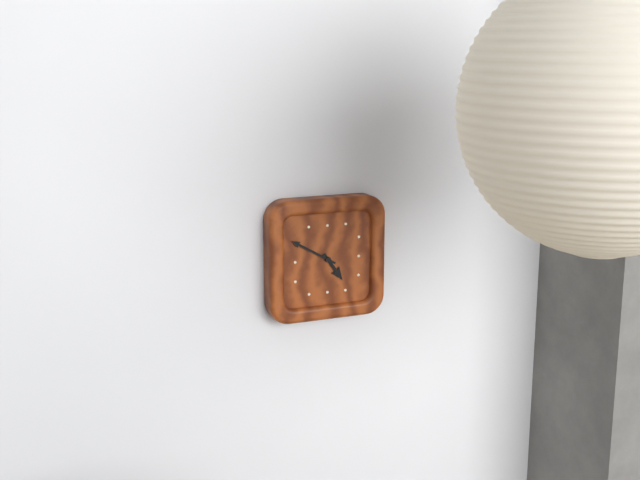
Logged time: 4 h 50 min
